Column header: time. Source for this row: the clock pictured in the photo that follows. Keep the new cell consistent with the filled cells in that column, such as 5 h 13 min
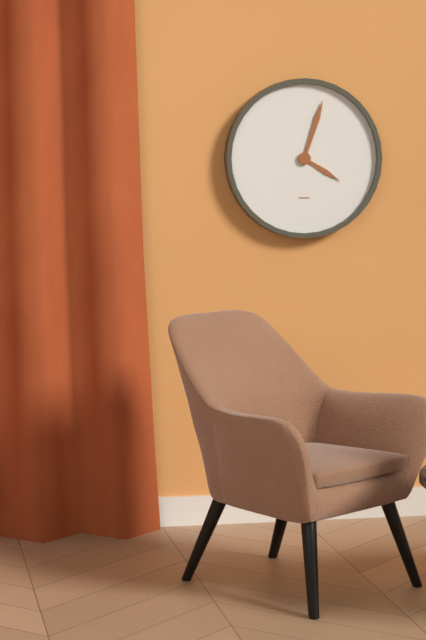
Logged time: 4 h 03 min
